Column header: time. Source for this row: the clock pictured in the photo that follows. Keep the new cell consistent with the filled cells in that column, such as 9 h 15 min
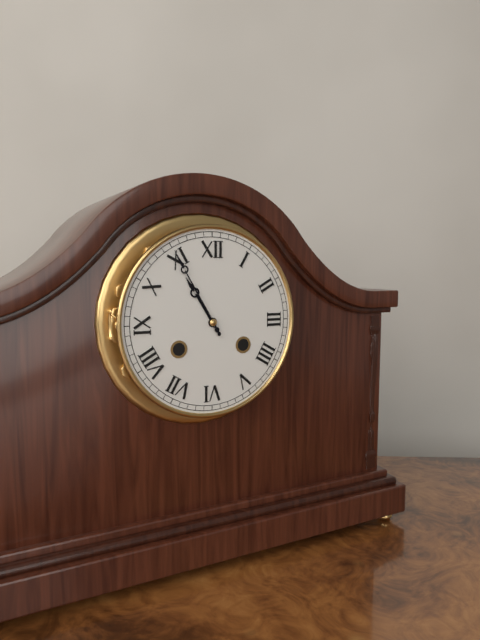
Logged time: 10 h 55 min
